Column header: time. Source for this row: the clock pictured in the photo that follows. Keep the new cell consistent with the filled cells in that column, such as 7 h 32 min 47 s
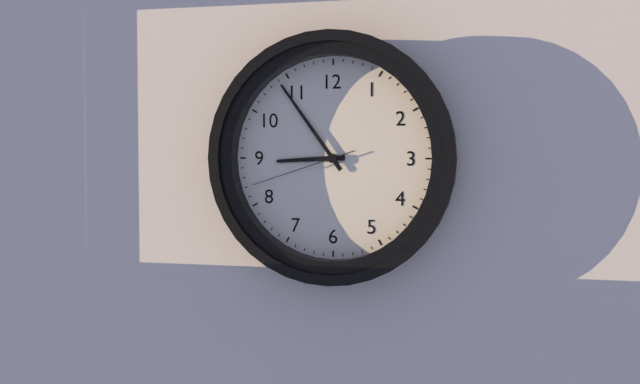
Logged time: 8 h 54 min 42 s
